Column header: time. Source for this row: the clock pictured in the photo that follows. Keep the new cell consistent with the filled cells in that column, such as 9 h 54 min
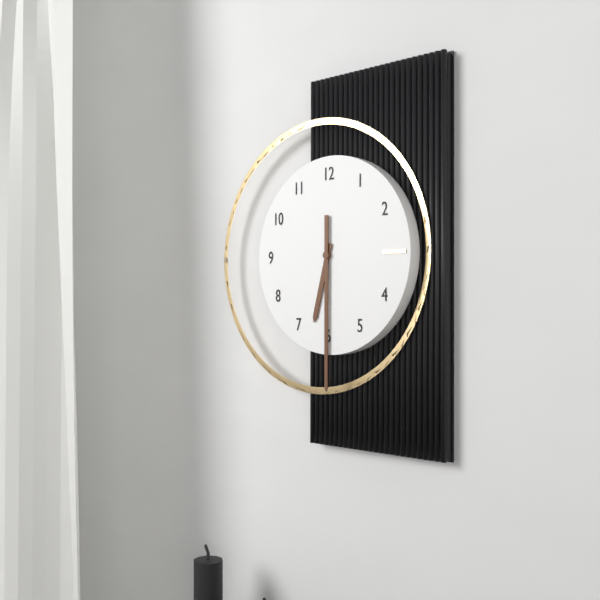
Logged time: 6 h 30 min
